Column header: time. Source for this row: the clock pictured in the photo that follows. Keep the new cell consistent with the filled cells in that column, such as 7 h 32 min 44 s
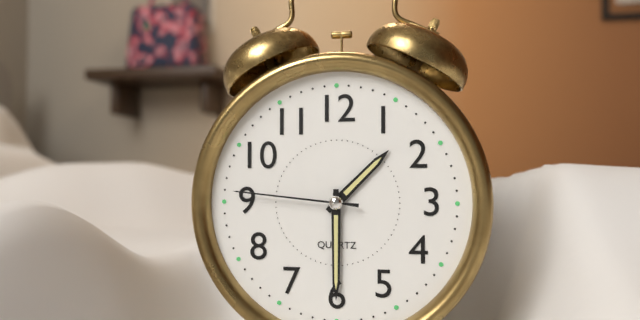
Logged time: 1 h 30 min 46 s
